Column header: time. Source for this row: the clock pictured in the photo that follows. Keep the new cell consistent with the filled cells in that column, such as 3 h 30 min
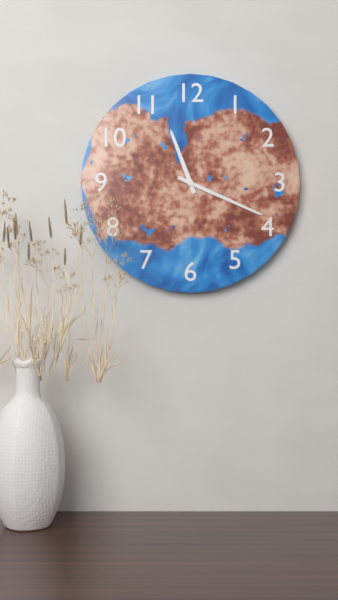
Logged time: 11 h 19 min
